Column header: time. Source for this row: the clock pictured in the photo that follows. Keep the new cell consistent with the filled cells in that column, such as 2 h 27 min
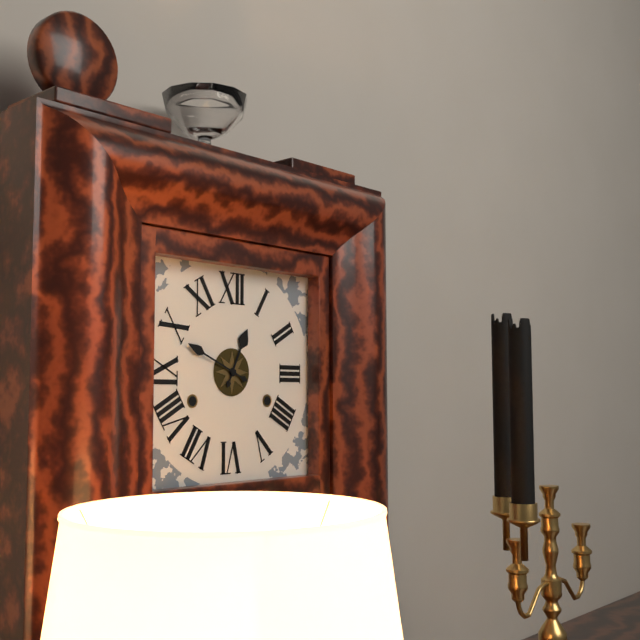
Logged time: 12 h 49 min
